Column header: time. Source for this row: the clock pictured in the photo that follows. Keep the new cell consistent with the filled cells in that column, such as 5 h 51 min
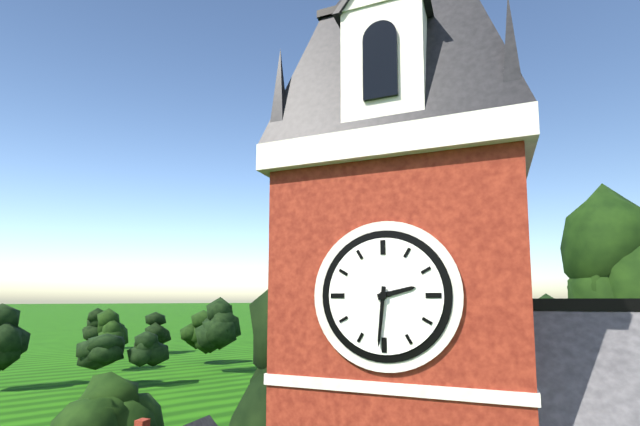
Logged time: 2 h 31 min
